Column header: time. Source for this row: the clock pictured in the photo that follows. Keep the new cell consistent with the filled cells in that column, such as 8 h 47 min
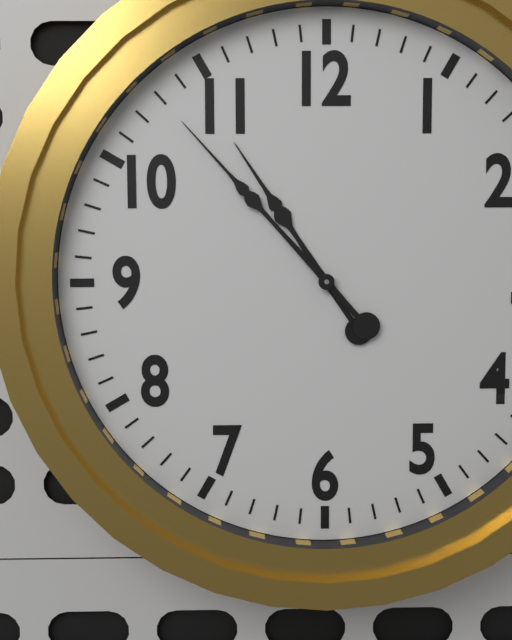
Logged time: 10 h 53 min
